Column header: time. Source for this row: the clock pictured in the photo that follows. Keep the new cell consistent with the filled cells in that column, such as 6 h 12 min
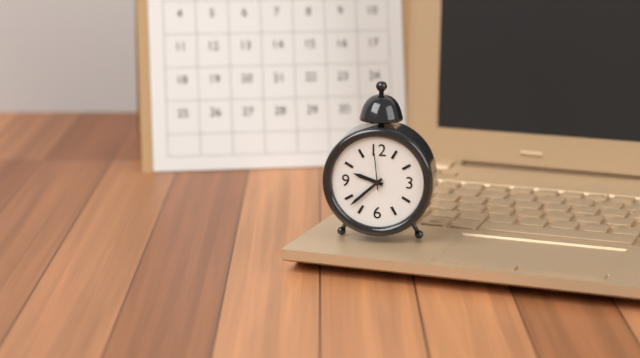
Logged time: 9 h 38 min
